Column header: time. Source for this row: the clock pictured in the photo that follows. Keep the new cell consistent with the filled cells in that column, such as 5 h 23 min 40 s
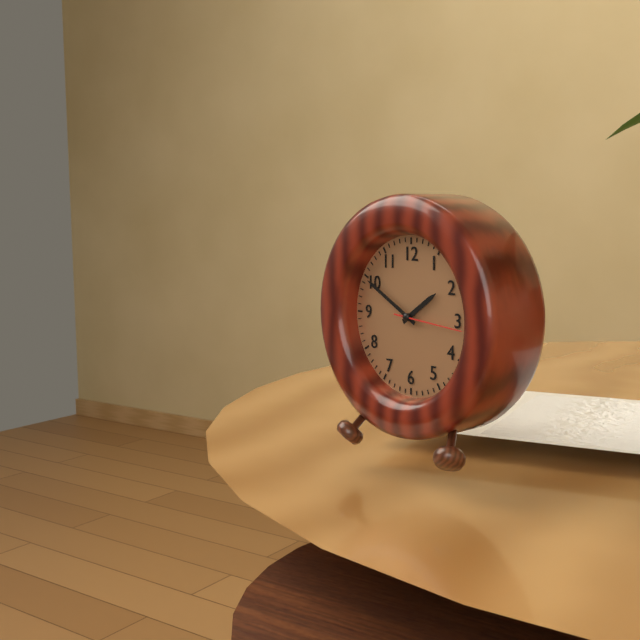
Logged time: 1 h 50 min 16 s
